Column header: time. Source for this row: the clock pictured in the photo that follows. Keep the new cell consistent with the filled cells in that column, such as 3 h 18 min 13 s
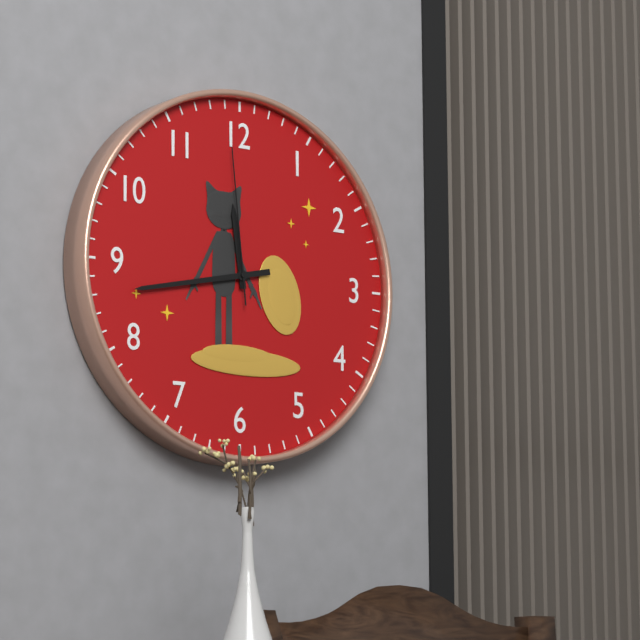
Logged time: 11 h 43 min 59 s
